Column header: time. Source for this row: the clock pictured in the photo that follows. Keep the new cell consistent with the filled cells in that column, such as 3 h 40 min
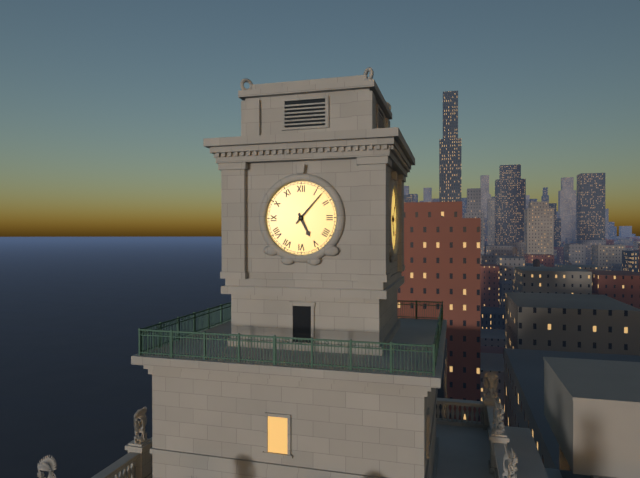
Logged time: 5 h 07 min
